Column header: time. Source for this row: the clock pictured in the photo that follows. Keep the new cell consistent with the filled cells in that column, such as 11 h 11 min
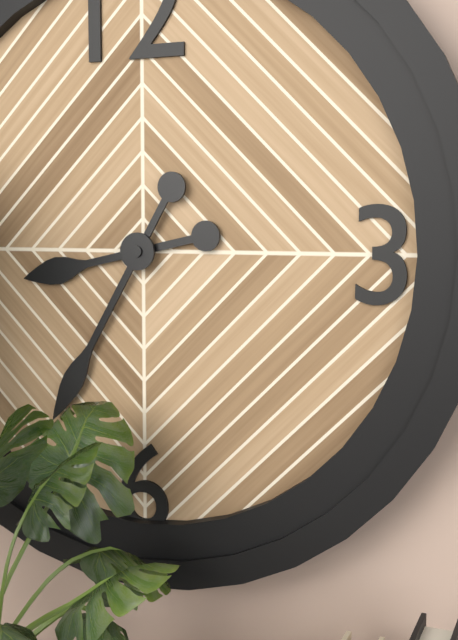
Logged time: 8 h 35 min
